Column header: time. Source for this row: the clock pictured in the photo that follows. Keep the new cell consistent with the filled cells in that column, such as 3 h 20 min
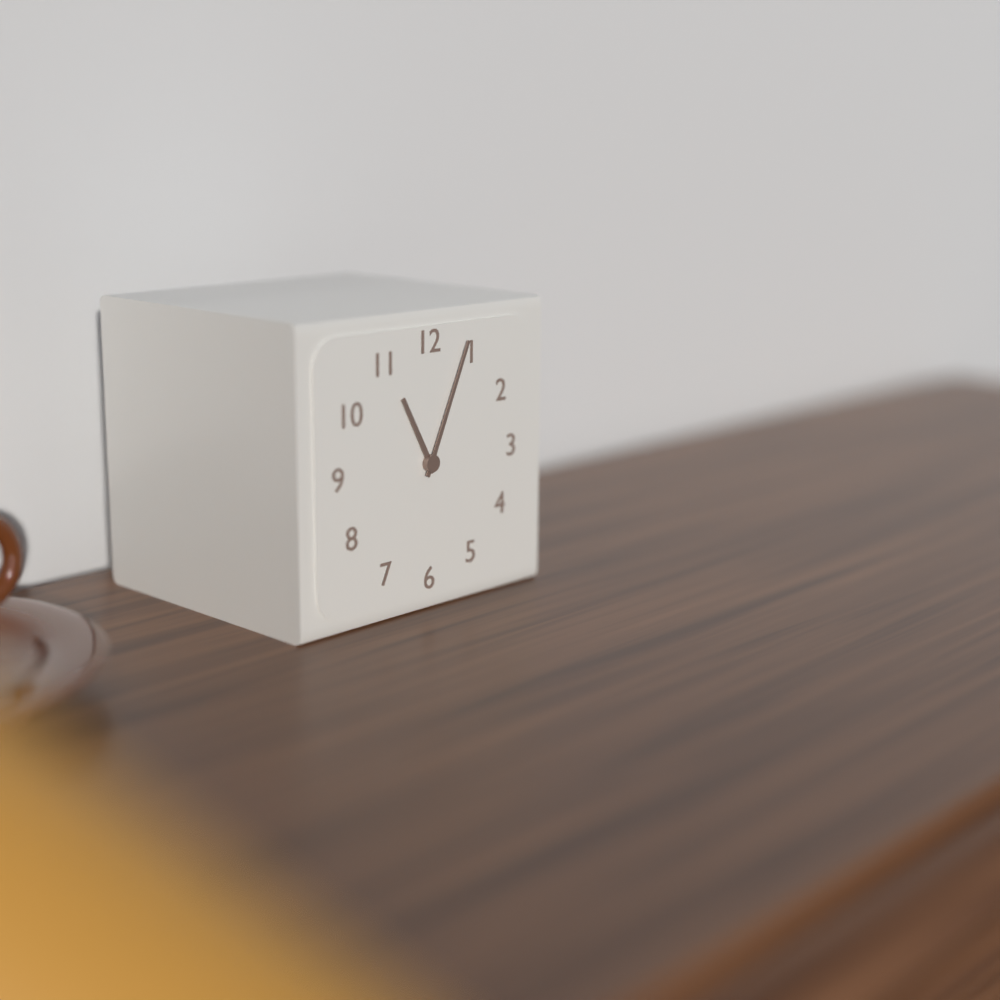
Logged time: 11 h 04 min
